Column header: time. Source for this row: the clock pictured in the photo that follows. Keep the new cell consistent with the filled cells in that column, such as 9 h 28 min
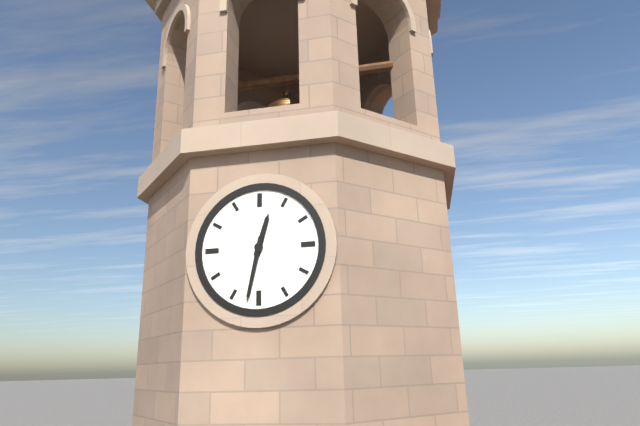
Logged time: 12 h 32 min
